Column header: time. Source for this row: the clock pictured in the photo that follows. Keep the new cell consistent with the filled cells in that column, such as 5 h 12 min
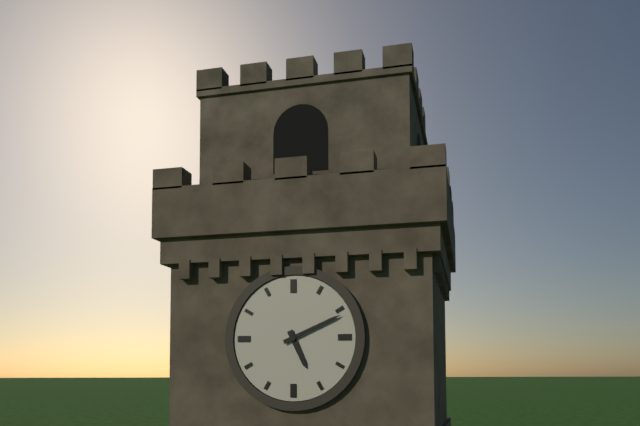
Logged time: 5 h 11 min
